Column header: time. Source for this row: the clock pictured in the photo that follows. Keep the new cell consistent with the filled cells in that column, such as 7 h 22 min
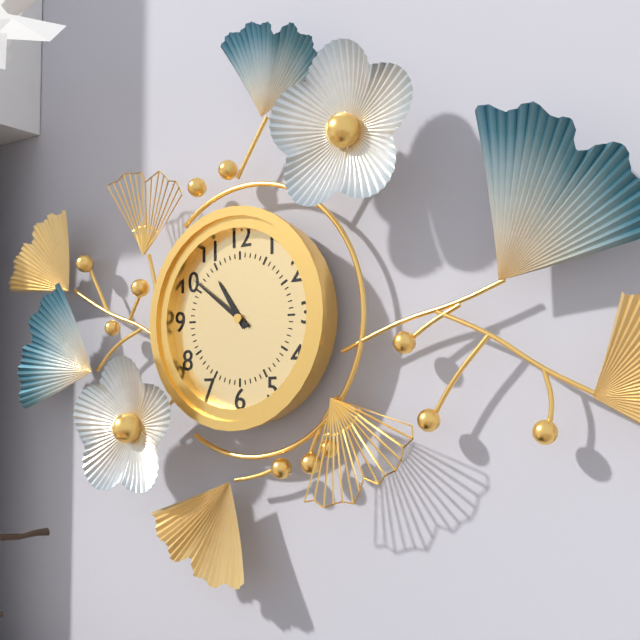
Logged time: 10 h 51 min
